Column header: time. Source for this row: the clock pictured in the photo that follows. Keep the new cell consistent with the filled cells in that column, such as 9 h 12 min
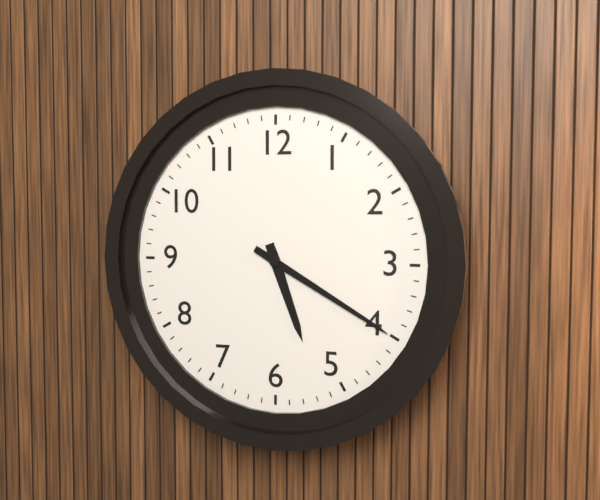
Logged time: 5 h 20 min
